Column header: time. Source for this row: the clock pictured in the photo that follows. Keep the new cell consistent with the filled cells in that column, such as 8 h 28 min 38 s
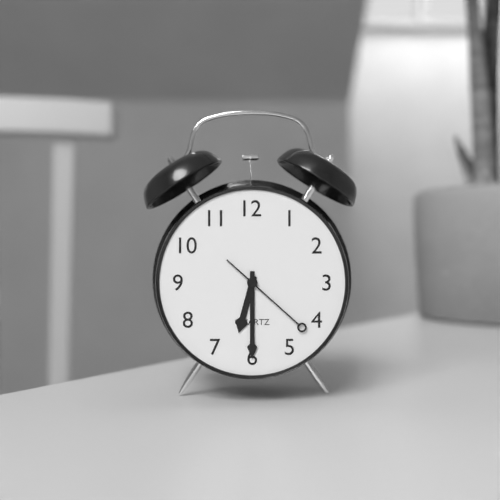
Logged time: 6 h 30 min 22 s
